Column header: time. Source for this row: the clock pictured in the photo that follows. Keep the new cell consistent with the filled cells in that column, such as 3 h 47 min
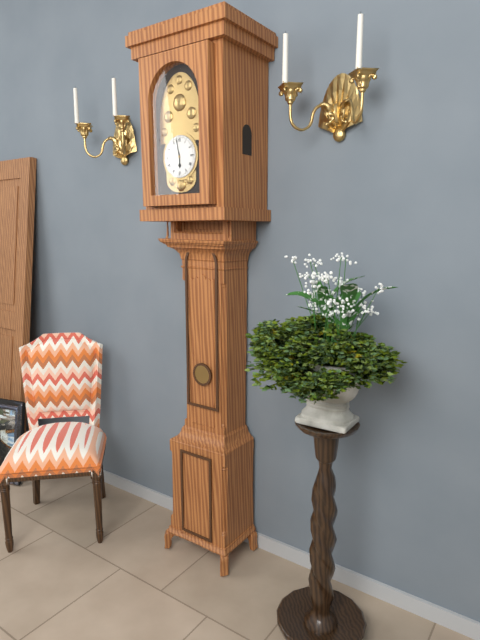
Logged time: 5 h 58 min
